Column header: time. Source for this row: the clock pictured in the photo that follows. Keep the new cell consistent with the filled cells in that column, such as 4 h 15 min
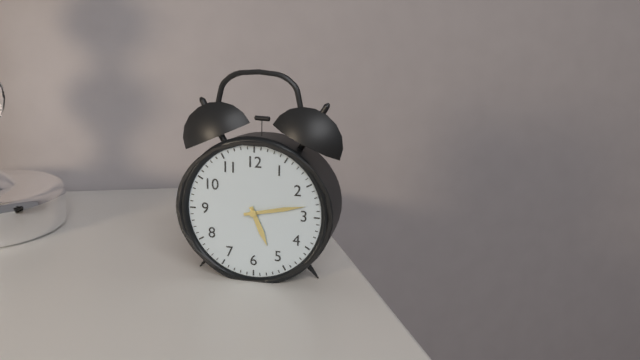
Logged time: 5 h 13 min
